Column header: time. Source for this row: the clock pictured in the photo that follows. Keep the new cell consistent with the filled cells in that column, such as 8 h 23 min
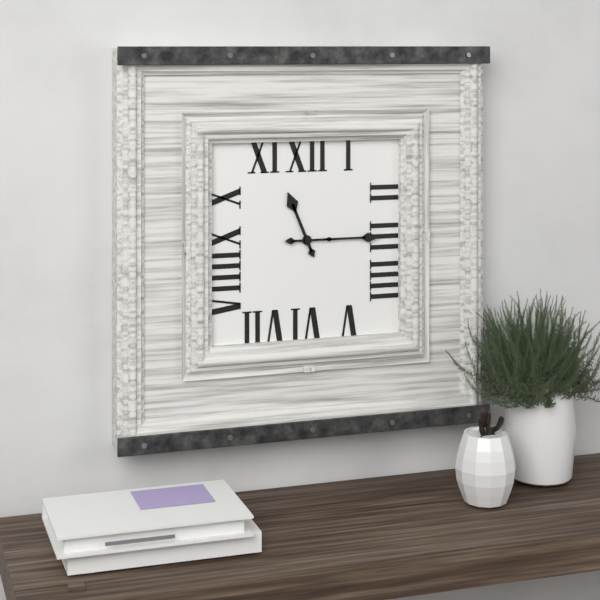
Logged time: 11 h 15 min
